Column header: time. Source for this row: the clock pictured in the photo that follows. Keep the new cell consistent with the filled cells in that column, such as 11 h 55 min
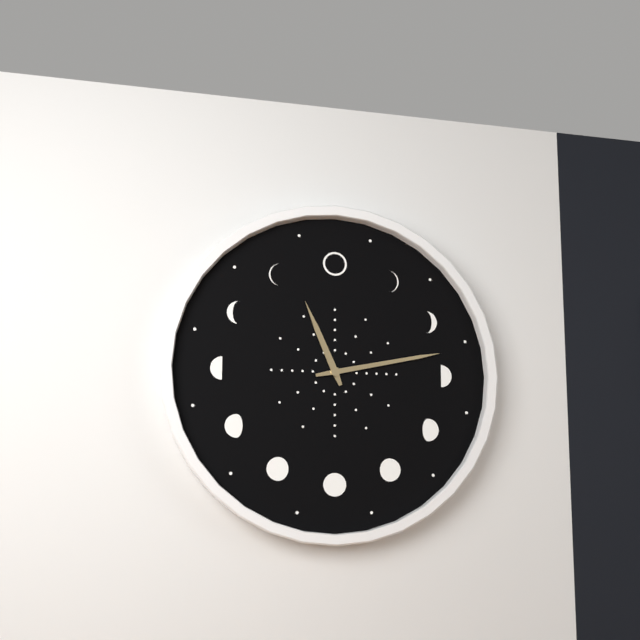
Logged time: 11 h 13 min
